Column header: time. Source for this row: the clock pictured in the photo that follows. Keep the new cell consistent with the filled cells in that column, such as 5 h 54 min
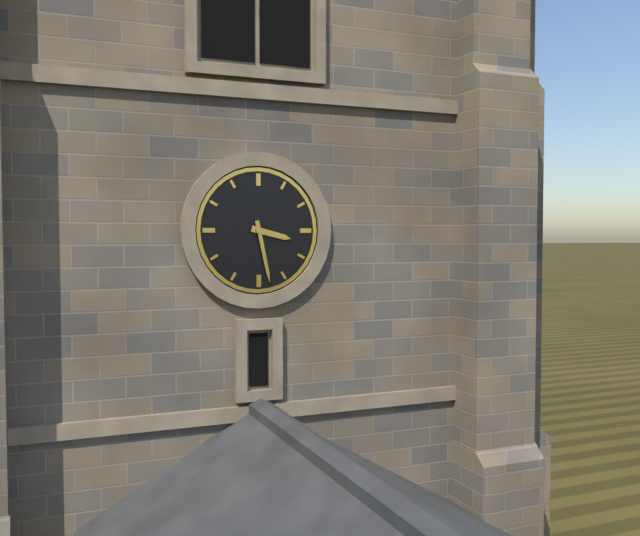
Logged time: 3 h 28 min
